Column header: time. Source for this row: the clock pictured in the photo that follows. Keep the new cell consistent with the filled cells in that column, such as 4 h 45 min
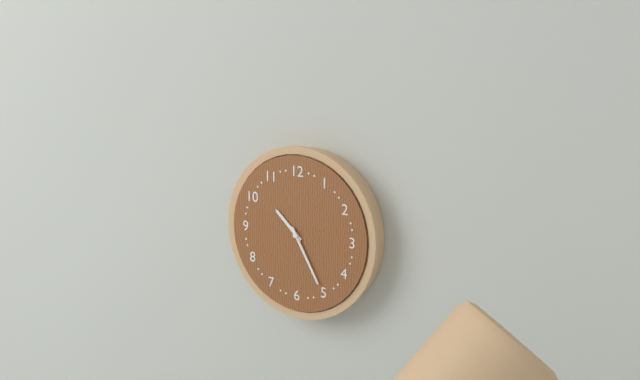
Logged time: 10 h 25 min
